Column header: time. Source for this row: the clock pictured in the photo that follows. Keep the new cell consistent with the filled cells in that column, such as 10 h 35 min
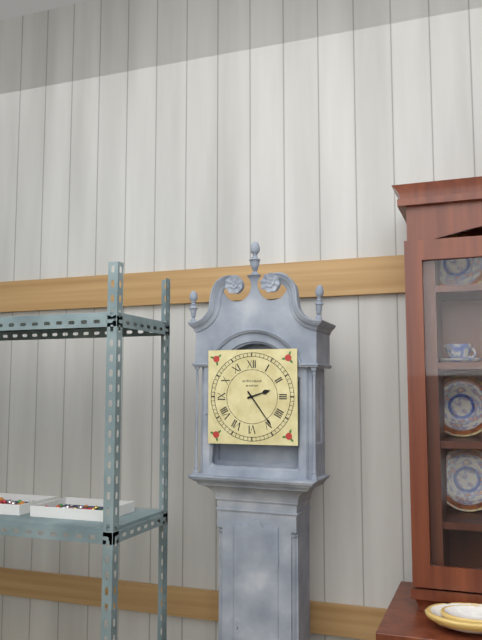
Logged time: 2 h 24 min
